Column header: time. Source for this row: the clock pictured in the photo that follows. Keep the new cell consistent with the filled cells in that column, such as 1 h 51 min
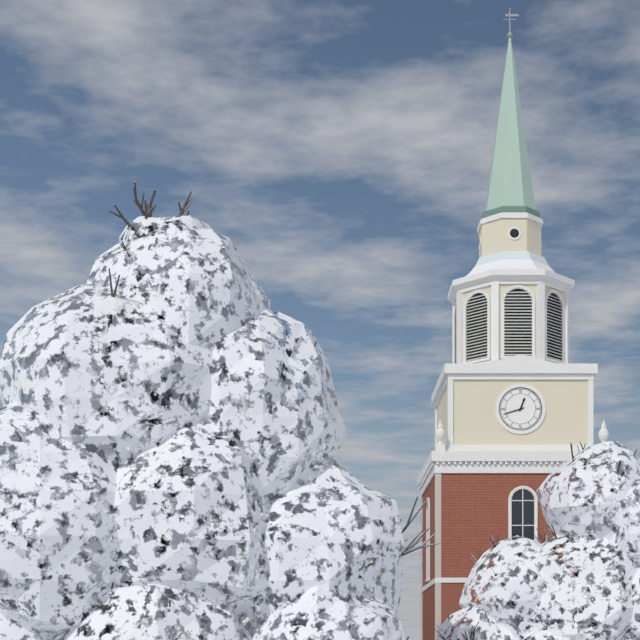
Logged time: 12 h 42 min
